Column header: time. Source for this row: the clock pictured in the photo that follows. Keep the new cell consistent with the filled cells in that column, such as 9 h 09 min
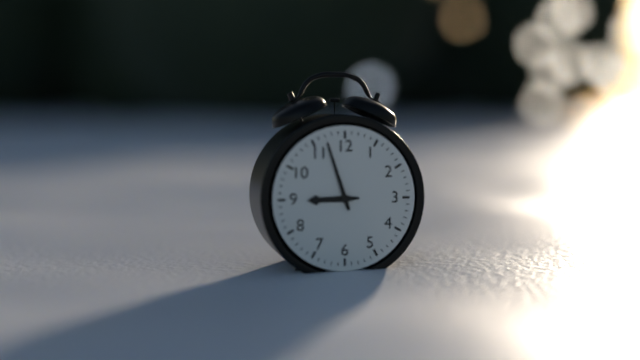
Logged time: 8 h 57 min
